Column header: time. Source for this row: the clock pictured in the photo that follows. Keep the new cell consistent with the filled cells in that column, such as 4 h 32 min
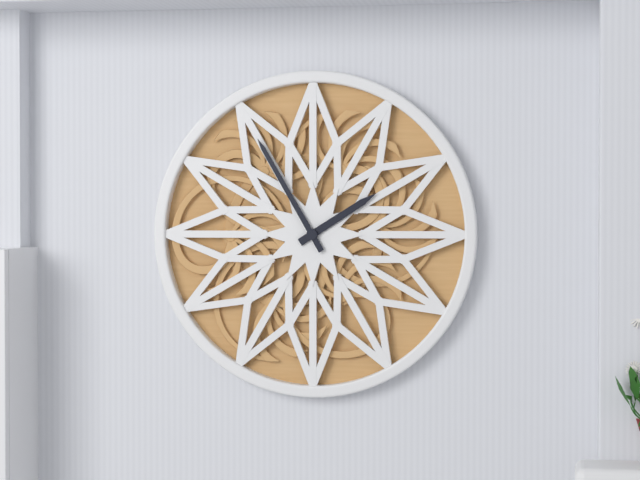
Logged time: 1 h 55 min
